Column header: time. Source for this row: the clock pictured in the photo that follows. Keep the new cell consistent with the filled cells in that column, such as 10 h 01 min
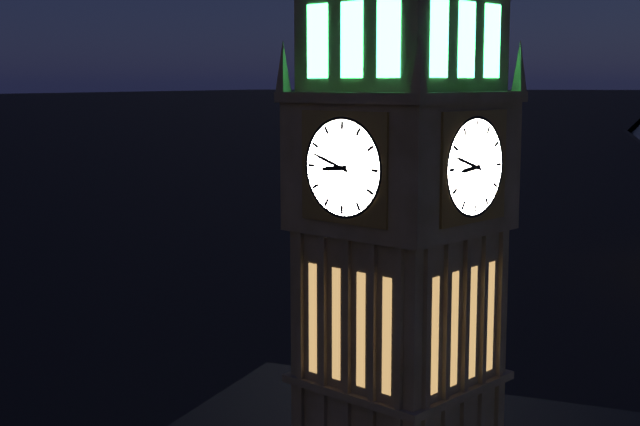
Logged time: 8 h 48 min
